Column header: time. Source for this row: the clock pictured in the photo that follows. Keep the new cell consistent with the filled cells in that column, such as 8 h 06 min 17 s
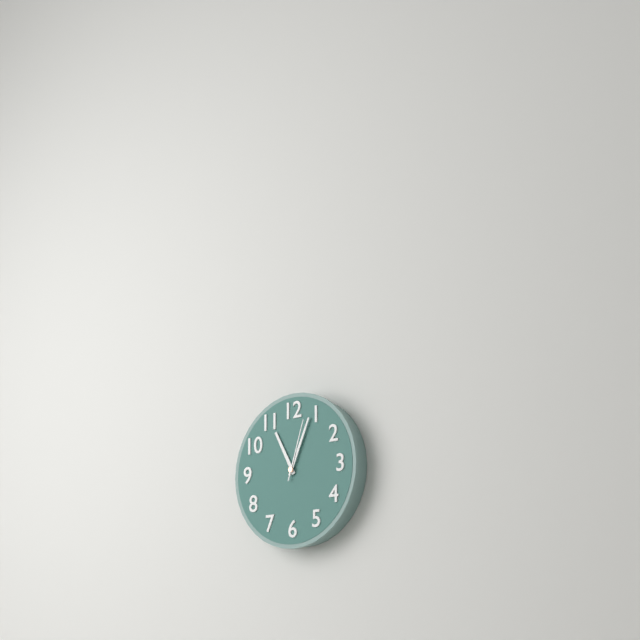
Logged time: 11 h 04 min 03 s
